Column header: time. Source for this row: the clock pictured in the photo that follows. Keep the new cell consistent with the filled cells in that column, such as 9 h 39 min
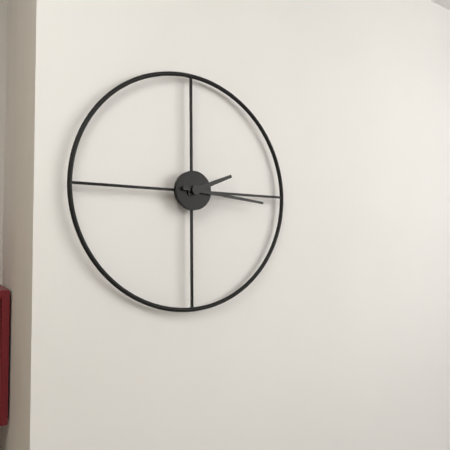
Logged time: 2 h 16 min
